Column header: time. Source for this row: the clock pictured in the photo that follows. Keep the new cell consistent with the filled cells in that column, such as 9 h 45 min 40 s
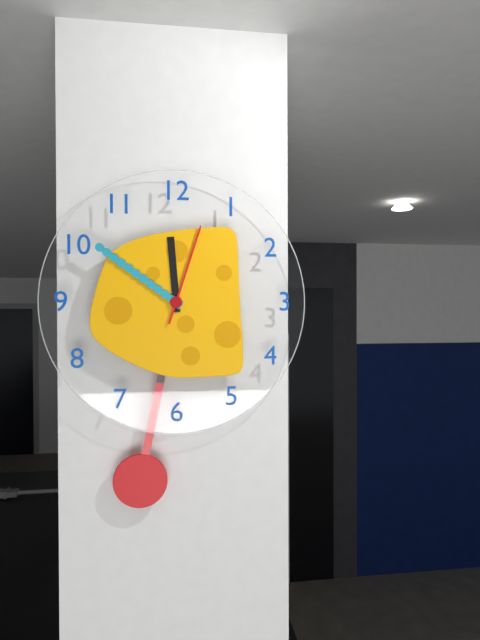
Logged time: 11 h 51 min 03 s
